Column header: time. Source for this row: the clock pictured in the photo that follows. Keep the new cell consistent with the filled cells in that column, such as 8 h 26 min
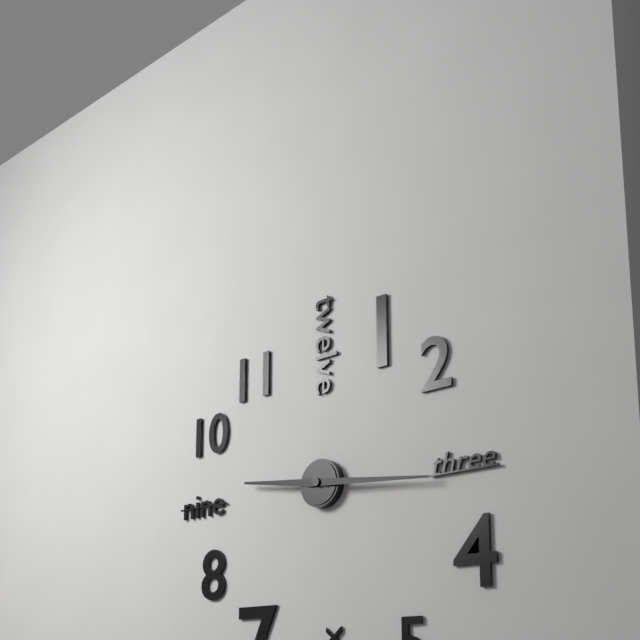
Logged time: 9 h 16 min
